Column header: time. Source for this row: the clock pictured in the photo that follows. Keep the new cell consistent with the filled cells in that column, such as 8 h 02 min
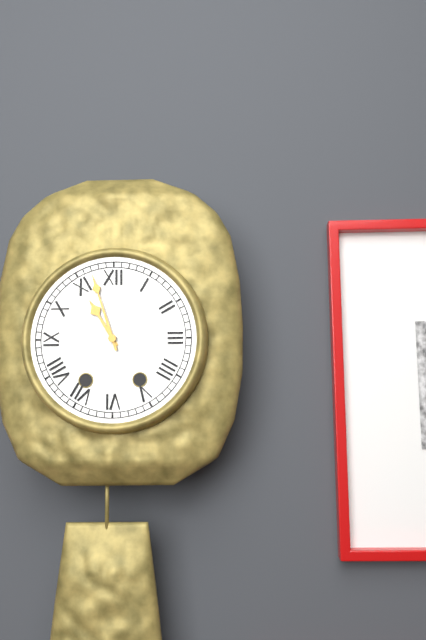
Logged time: 10 h 57 min
